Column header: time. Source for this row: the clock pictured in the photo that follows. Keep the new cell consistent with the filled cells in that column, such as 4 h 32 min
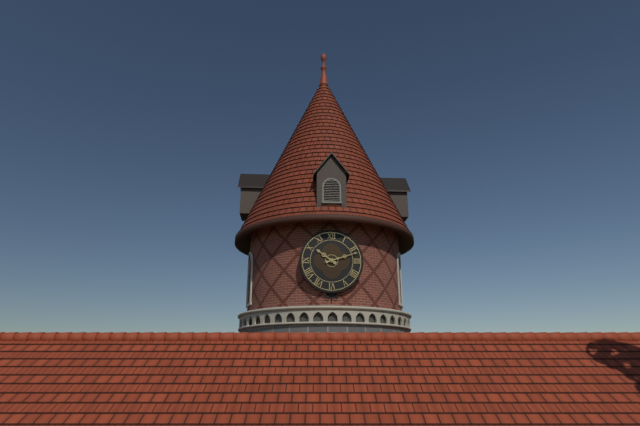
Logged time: 10 h 12 min
